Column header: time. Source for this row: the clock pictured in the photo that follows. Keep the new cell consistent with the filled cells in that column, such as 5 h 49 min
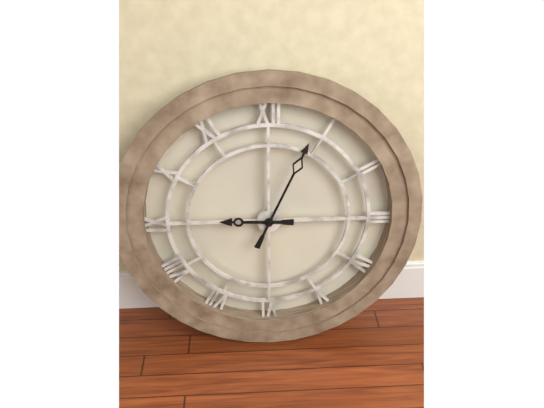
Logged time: 9 h 04 min
